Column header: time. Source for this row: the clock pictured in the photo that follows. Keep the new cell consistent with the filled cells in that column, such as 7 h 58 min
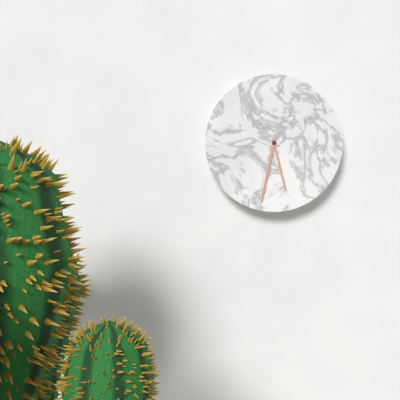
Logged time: 5 h 32 min
